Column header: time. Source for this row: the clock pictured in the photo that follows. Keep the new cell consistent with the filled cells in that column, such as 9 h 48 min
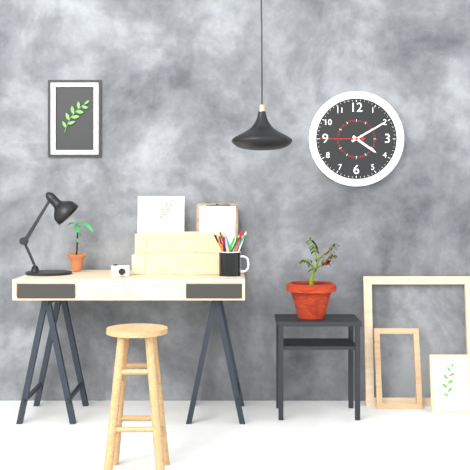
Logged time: 4 h 10 min
